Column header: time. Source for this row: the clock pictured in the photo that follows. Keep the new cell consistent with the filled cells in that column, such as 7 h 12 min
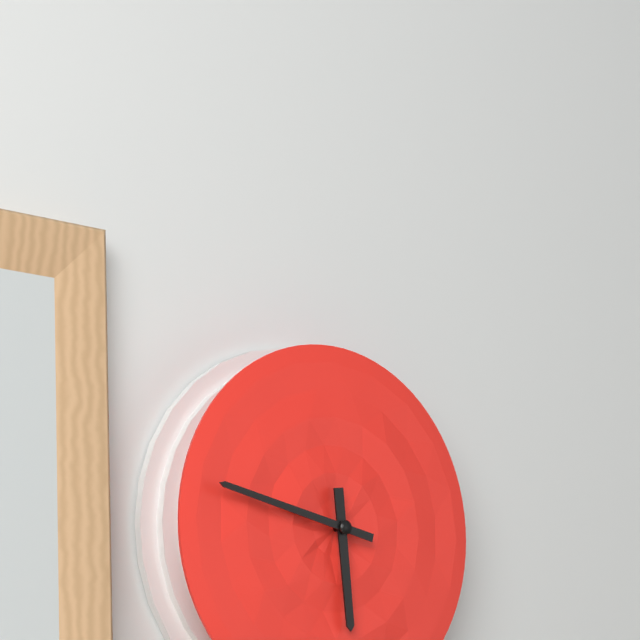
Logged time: 5 h 47 min
